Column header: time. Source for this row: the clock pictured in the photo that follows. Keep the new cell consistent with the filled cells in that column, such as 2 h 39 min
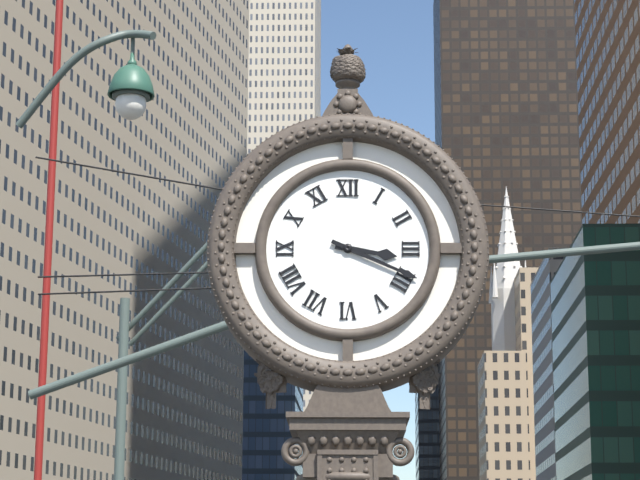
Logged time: 3 h 19 min
